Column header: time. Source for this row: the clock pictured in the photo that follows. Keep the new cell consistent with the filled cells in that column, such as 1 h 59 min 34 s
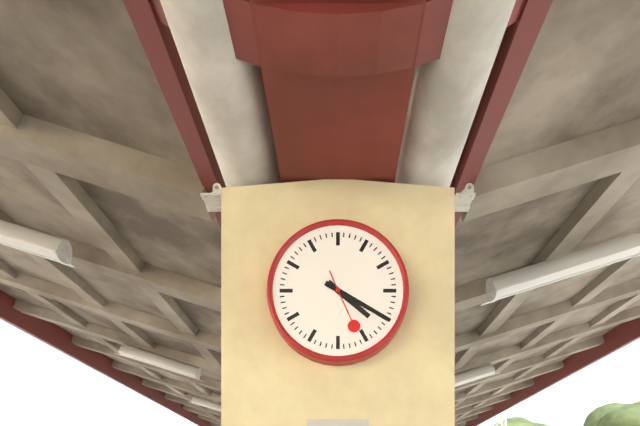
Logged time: 4 h 20 min 26 s
